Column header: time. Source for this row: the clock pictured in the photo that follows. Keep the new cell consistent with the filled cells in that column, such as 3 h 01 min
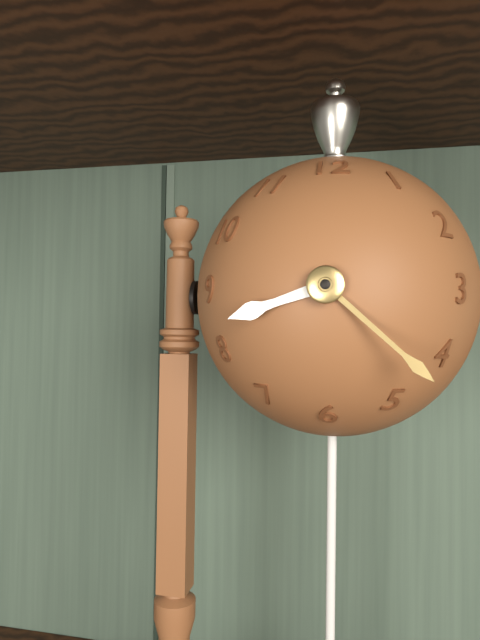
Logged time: 8 h 22 min
